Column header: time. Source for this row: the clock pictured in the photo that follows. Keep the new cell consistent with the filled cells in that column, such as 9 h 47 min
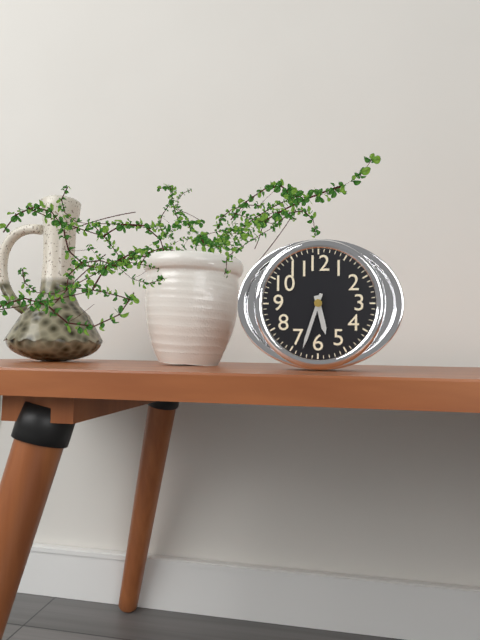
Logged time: 5 h 33 min
